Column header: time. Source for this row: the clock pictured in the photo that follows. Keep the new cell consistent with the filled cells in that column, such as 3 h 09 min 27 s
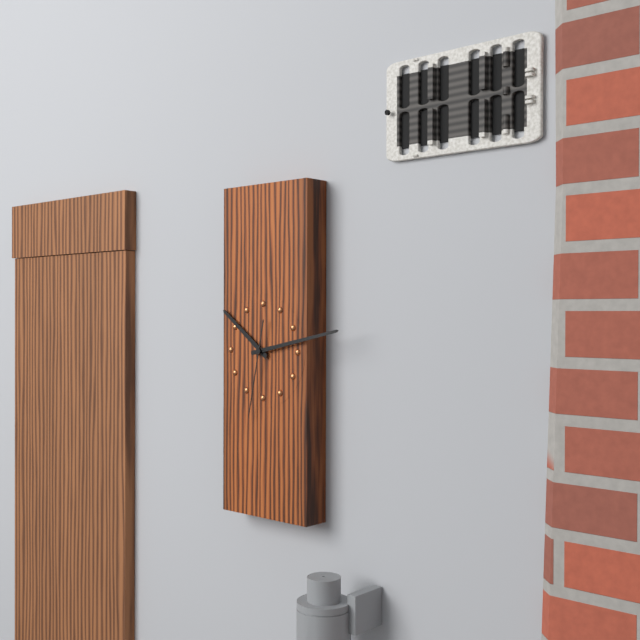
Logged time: 10 h 13 min 32 s
